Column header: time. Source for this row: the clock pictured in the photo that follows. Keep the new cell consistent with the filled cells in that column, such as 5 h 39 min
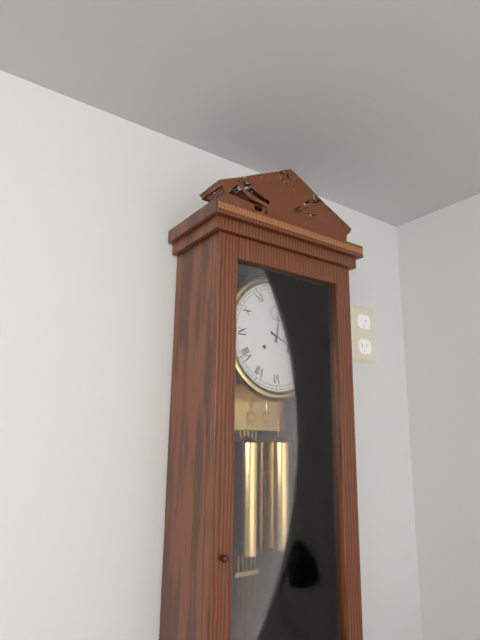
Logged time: 12 h 19 min
